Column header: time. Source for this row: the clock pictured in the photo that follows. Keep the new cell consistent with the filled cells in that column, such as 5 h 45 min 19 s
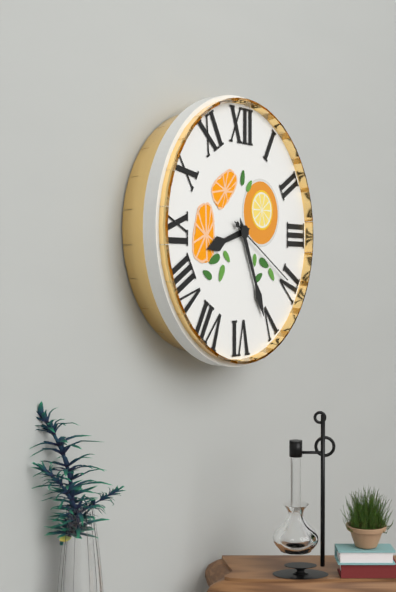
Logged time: 8 h 26 min 20 s
